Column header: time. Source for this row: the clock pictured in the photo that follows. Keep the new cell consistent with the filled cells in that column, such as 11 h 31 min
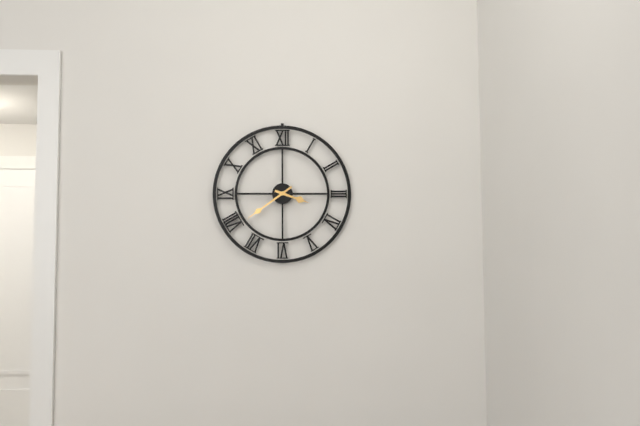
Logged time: 3 h 39 min
